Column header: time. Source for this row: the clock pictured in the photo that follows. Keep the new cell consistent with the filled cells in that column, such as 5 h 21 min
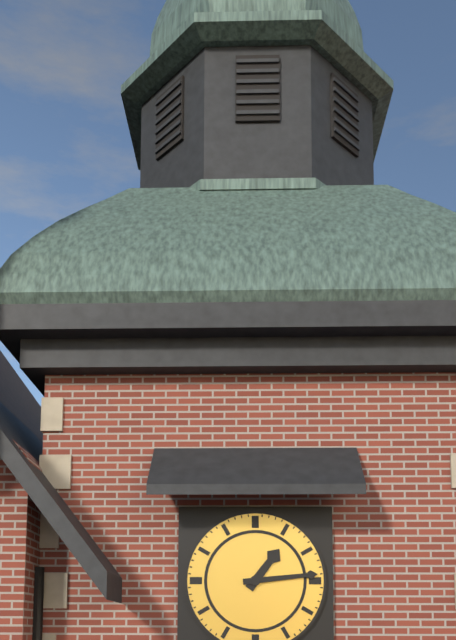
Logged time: 1 h 14 min
